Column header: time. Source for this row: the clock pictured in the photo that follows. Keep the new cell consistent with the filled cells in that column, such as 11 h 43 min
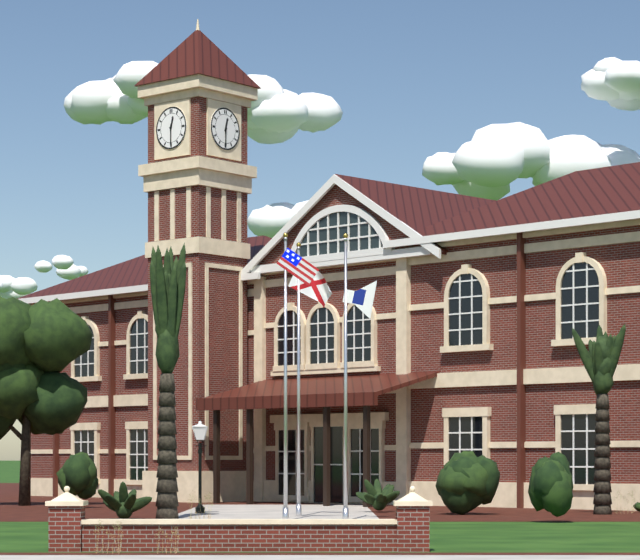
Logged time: 12 h 30 min
